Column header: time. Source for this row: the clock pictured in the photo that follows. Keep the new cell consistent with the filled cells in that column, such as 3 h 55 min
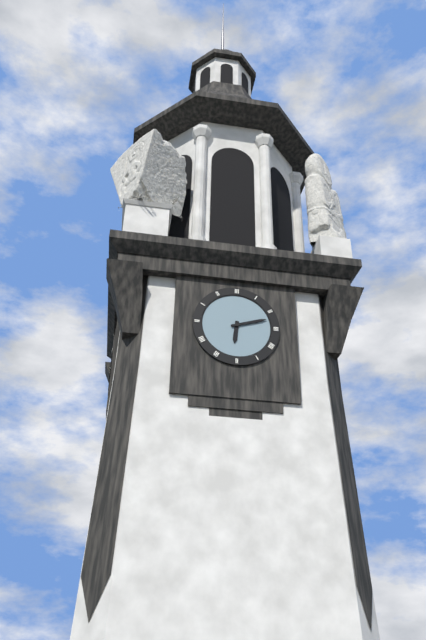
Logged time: 6 h 12 min
